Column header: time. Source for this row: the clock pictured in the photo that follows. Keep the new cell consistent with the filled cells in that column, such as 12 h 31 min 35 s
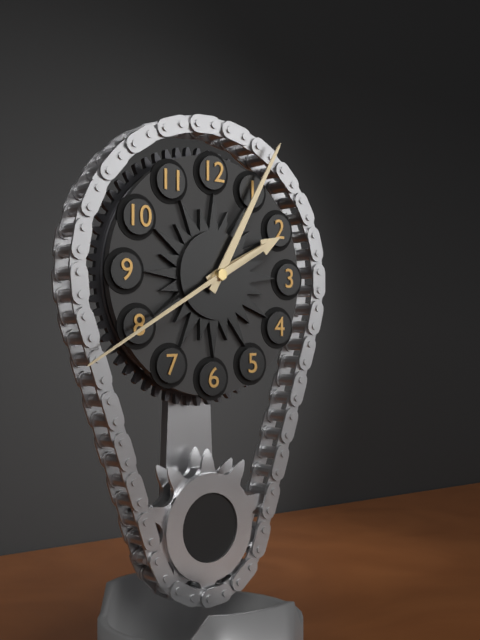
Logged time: 2 h 05 min 40 s
